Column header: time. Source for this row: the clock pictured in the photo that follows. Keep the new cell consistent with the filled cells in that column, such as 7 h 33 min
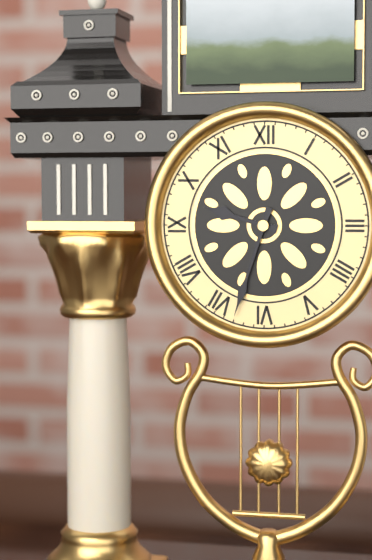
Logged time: 9 h 33 min
